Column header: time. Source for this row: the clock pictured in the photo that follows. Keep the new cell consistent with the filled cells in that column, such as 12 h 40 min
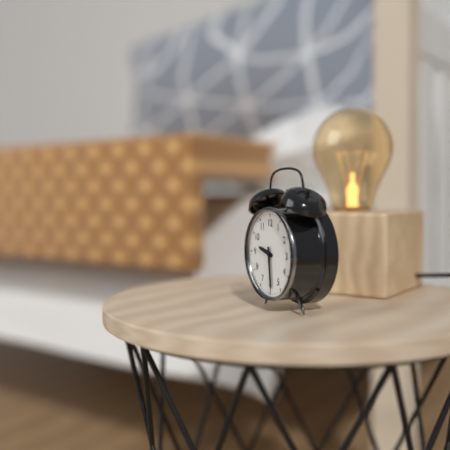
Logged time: 9 h 29 min
